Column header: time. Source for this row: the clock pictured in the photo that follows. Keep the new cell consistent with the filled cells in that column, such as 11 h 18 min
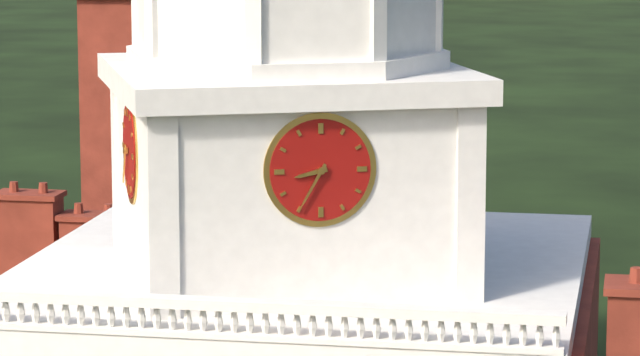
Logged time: 8 h 35 min
